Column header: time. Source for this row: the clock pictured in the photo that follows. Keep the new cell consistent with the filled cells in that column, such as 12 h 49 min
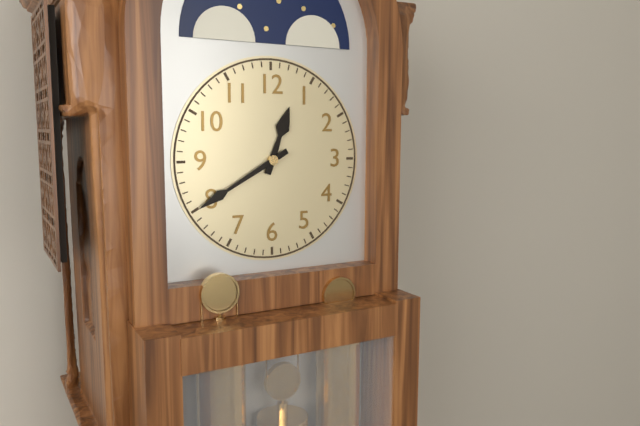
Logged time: 12 h 40 min
